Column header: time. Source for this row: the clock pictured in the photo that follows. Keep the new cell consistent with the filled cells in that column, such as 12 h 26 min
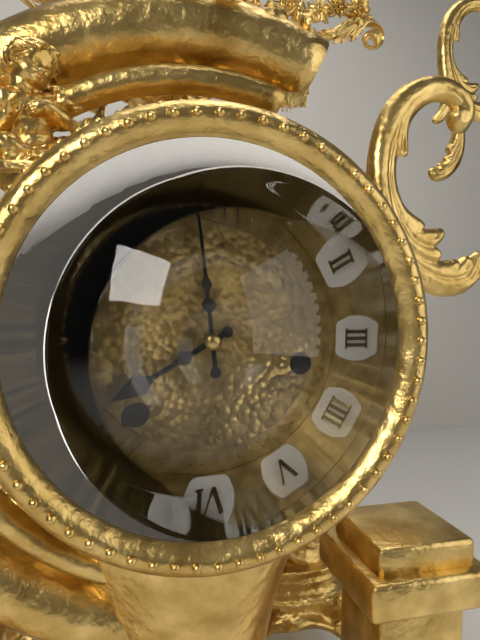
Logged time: 7 h 59 min
